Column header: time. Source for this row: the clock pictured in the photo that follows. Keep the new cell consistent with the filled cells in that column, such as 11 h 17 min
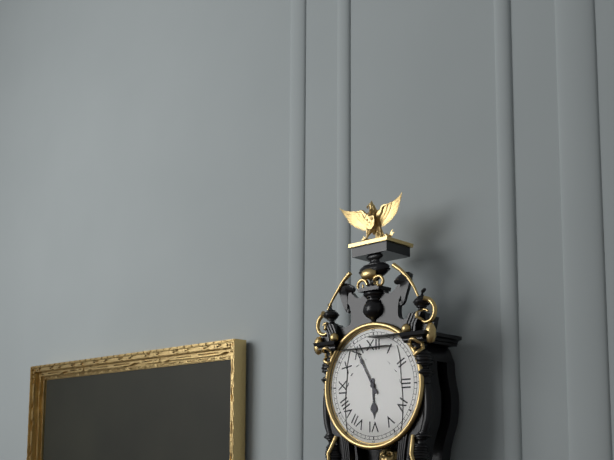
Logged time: 5 h 55 min
